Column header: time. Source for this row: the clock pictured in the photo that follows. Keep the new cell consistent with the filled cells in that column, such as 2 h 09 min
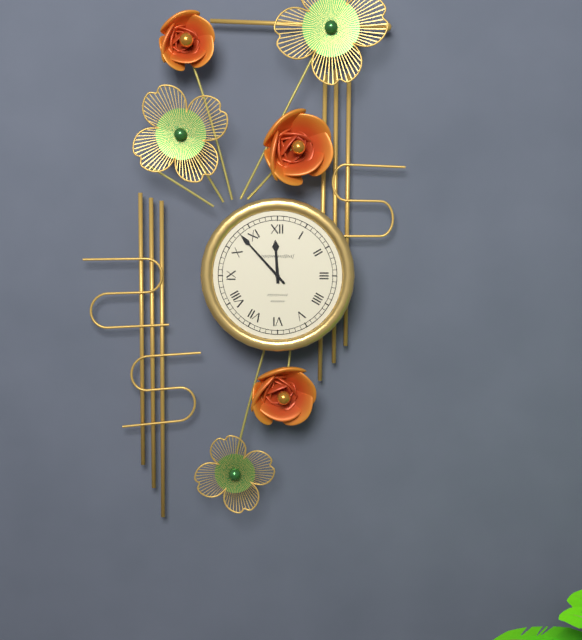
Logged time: 11 h 53 min
